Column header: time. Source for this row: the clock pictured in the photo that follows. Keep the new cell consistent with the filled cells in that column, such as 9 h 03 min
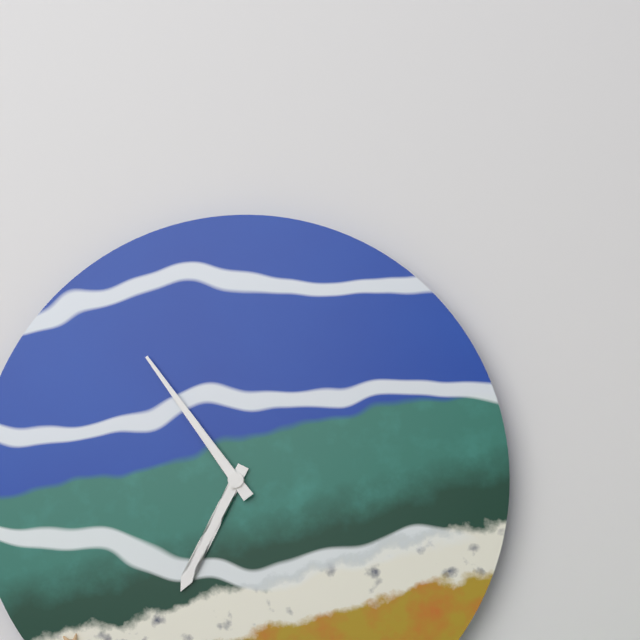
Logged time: 6 h 54 min
